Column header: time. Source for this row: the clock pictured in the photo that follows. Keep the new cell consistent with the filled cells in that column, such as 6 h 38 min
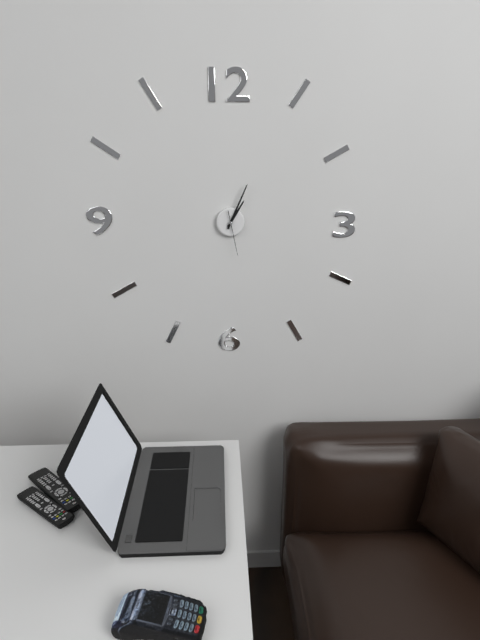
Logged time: 1 h 04 min
